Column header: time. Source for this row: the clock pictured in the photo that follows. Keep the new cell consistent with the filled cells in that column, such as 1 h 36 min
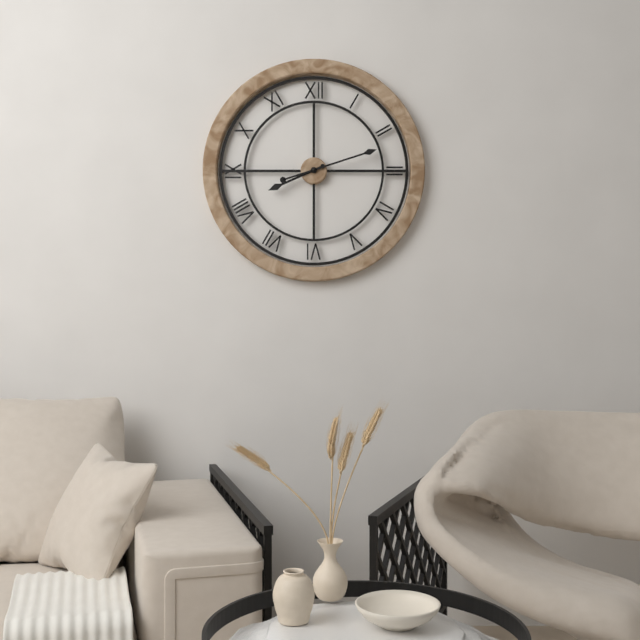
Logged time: 8 h 12 min
